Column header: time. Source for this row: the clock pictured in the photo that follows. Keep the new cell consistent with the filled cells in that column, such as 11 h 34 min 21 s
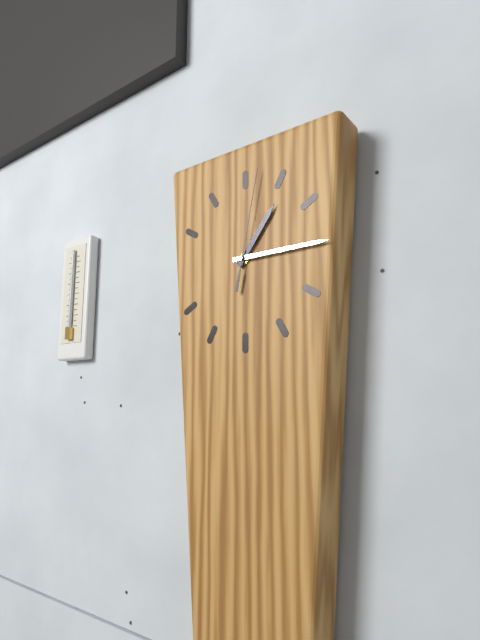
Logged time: 1 h 15 min 02 s
